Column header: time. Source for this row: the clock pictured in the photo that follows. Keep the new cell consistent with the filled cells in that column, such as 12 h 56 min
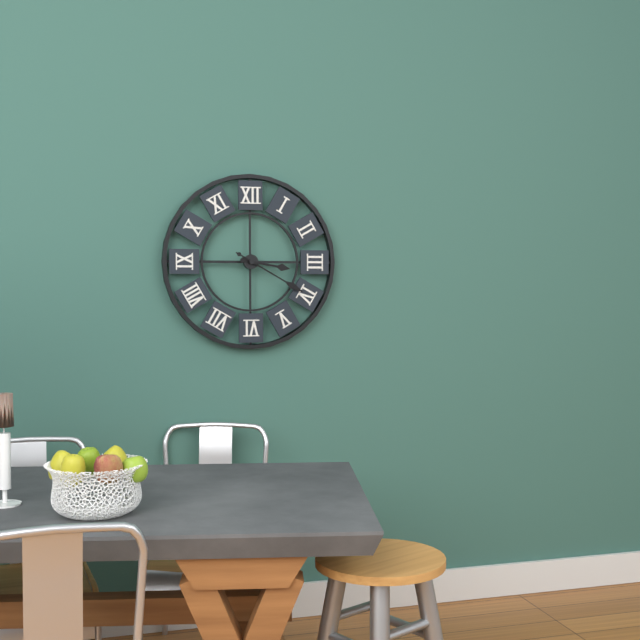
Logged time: 3 h 20 min
